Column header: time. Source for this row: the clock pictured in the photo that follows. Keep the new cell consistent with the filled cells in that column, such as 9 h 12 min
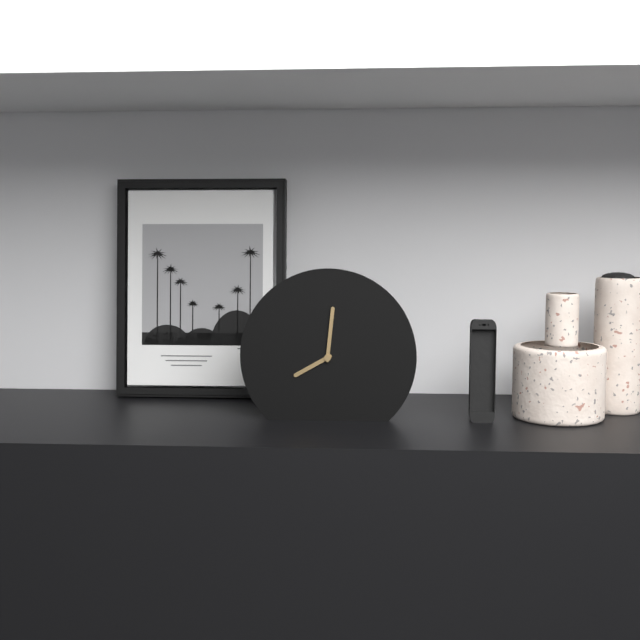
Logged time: 8 h 01 min
